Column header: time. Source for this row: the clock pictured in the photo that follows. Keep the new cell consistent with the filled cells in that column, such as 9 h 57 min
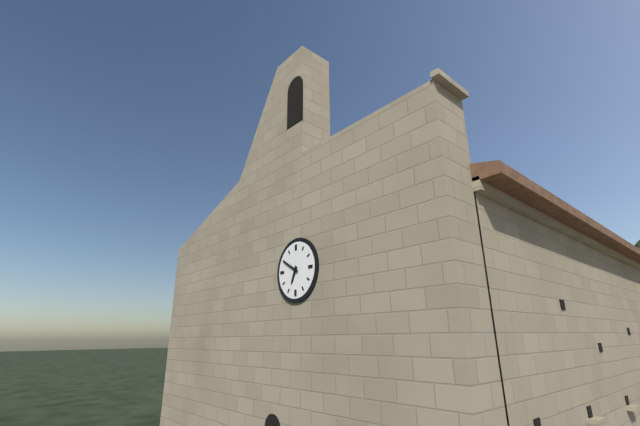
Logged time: 6 h 50 min
